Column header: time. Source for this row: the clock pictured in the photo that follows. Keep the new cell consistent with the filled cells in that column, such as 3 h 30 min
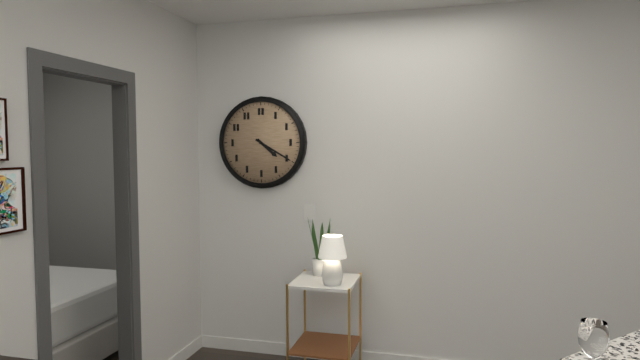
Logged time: 4 h 20 min
